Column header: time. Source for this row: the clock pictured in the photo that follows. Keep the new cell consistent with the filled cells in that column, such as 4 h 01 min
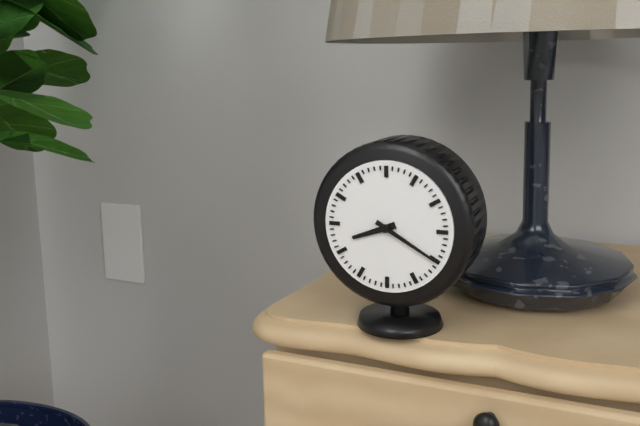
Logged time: 8 h 20 min
